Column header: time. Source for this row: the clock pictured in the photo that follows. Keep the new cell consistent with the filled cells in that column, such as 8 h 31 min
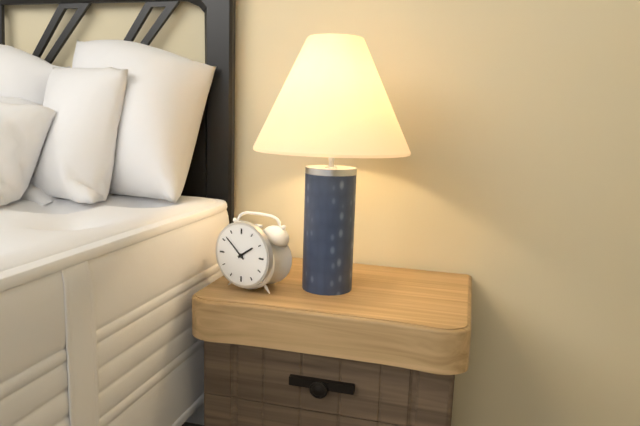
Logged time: 1 h 52 min
